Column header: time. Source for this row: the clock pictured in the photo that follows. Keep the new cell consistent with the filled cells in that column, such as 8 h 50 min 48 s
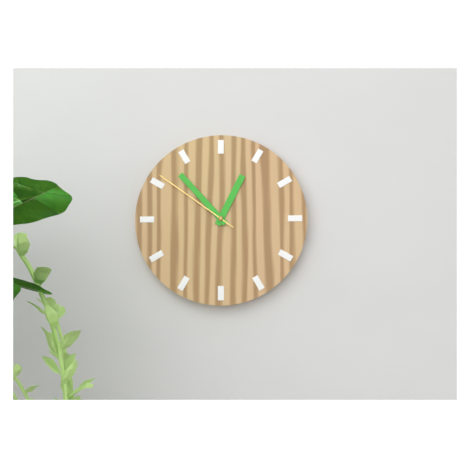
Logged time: 12 h 53 min 51 s
